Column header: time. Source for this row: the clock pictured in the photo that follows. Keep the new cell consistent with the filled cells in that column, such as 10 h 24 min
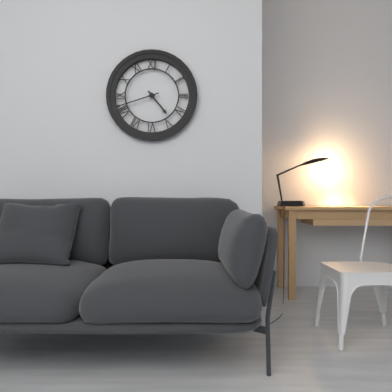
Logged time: 4 h 42 min
